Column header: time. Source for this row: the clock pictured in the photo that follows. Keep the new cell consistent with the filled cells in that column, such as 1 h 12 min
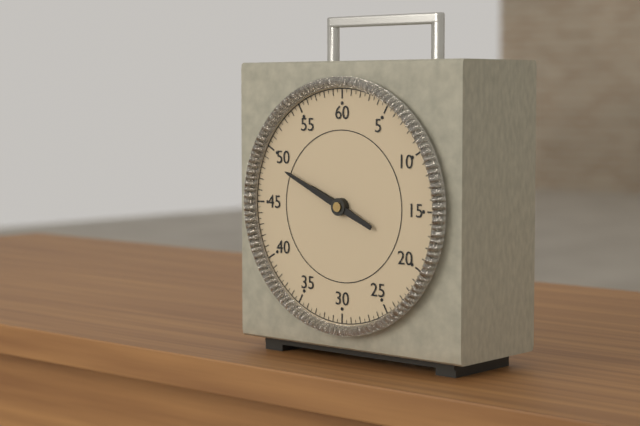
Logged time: 9 h 49 min
